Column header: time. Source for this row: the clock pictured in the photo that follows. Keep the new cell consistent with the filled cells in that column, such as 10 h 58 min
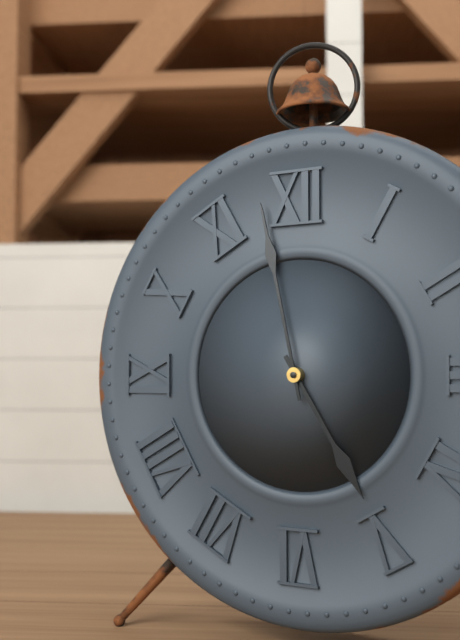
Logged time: 4 h 58 min
